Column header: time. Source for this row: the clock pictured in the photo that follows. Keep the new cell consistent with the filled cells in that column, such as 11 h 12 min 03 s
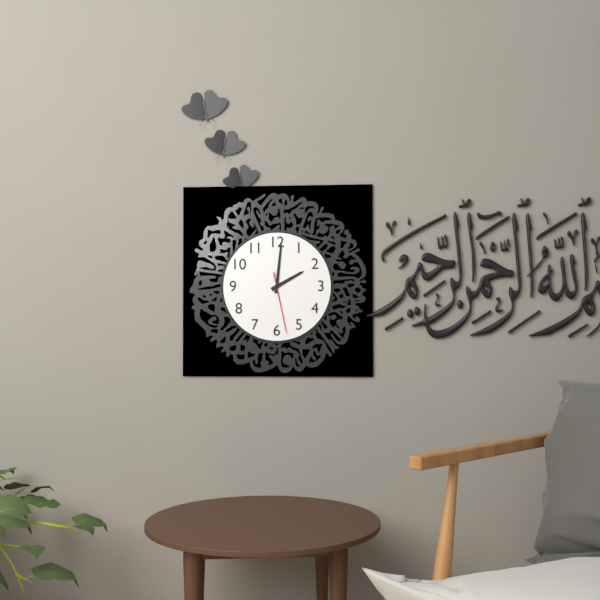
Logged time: 2 h 01 min 28 s
